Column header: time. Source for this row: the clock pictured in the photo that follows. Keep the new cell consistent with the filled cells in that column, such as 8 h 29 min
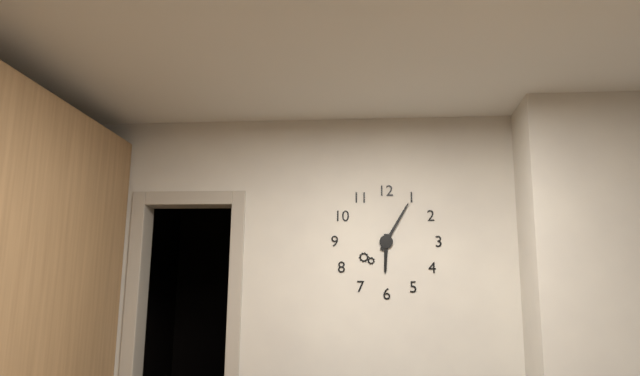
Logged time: 6 h 05 min
